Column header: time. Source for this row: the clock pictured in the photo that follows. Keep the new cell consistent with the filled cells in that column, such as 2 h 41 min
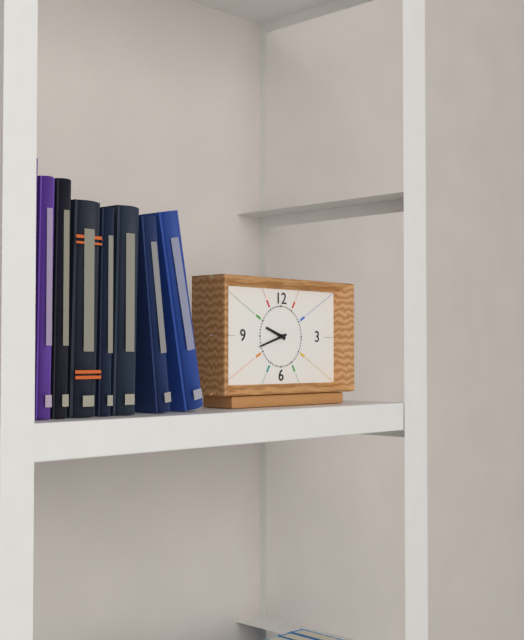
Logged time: 9 h 42 min
